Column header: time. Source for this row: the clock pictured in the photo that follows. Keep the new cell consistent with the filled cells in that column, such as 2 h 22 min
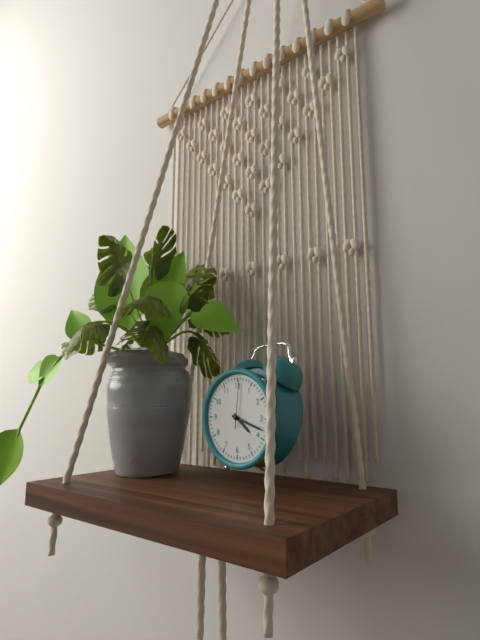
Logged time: 4 h 18 min
